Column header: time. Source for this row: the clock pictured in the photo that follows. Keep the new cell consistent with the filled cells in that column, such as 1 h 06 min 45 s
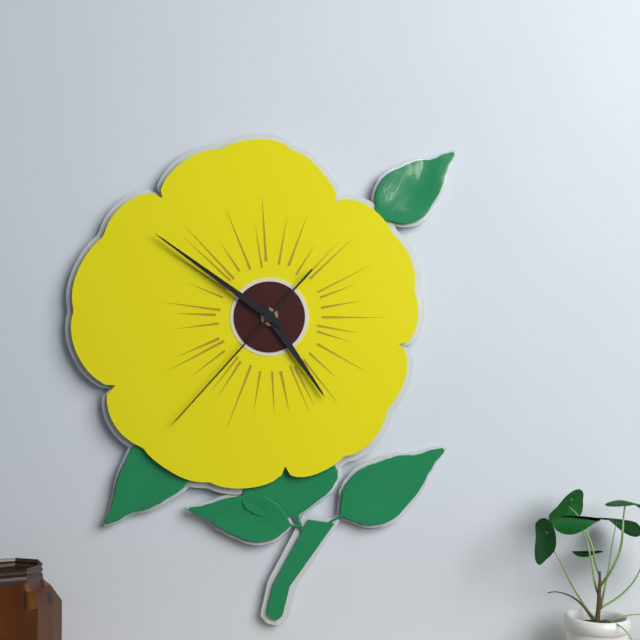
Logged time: 4 h 51 min 37 s
